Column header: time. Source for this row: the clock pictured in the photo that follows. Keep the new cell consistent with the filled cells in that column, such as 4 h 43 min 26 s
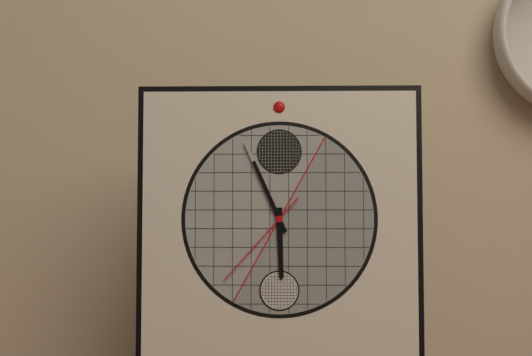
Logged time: 5 h 56 min 37 s
